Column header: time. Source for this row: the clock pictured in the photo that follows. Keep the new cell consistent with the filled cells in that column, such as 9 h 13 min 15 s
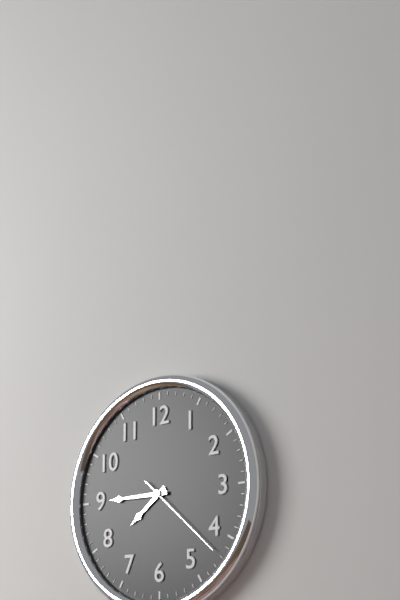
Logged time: 7 h 45 min 22 s
